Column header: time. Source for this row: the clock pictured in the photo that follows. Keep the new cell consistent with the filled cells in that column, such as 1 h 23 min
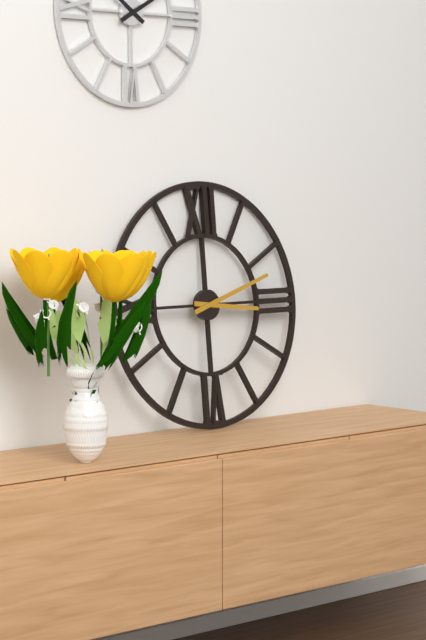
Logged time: 3 h 12 min
